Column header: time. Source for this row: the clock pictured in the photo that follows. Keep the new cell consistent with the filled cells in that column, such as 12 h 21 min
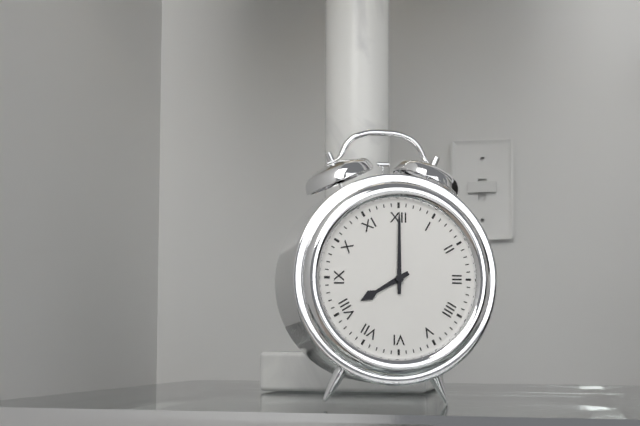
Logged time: 8 h 00 min
